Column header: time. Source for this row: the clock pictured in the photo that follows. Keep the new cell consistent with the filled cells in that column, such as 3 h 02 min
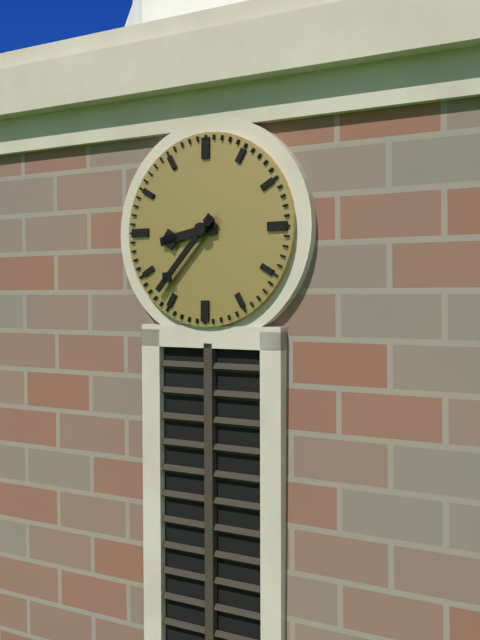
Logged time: 8 h 37 min
